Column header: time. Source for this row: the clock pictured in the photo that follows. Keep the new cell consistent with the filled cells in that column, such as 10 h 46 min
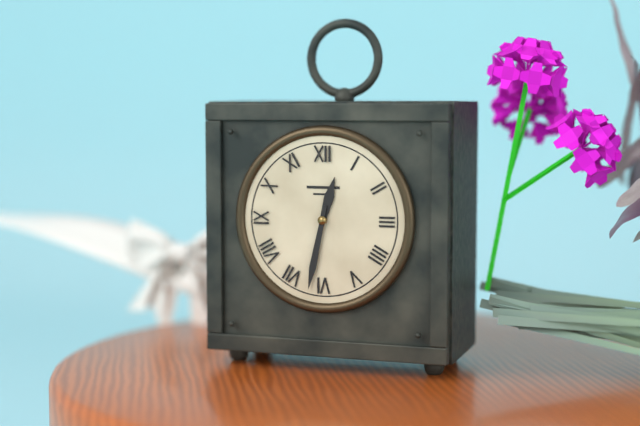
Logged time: 12 h 32 min
